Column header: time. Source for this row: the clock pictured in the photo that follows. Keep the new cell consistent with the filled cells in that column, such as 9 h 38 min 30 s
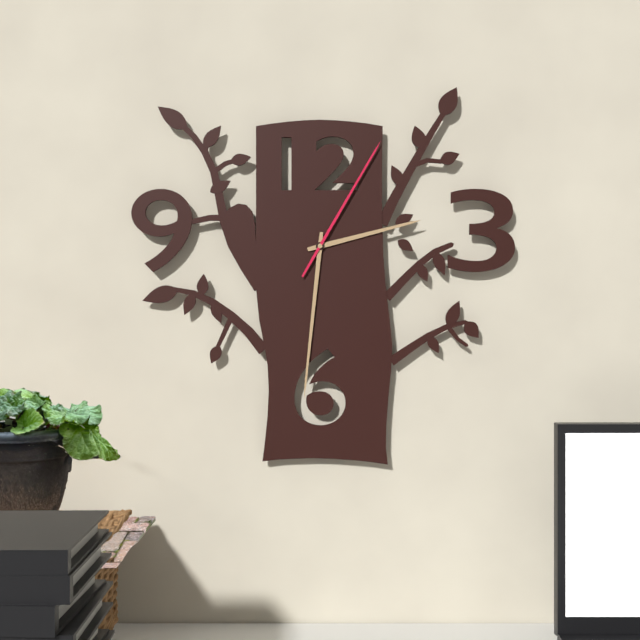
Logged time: 2 h 31 min 05 s
